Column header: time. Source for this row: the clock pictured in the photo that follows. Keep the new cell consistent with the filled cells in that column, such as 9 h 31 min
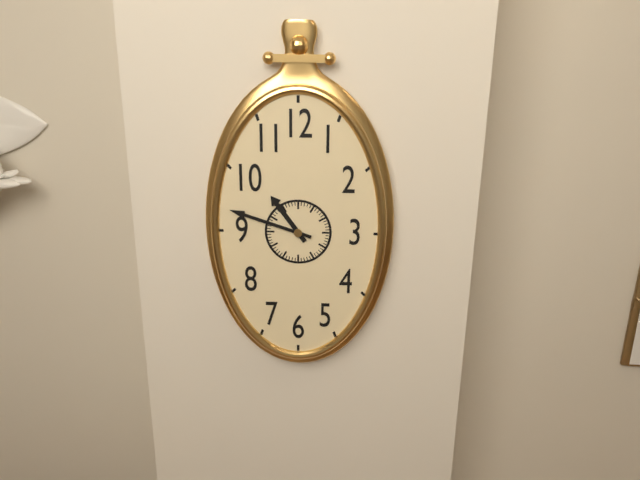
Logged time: 10 h 48 min
